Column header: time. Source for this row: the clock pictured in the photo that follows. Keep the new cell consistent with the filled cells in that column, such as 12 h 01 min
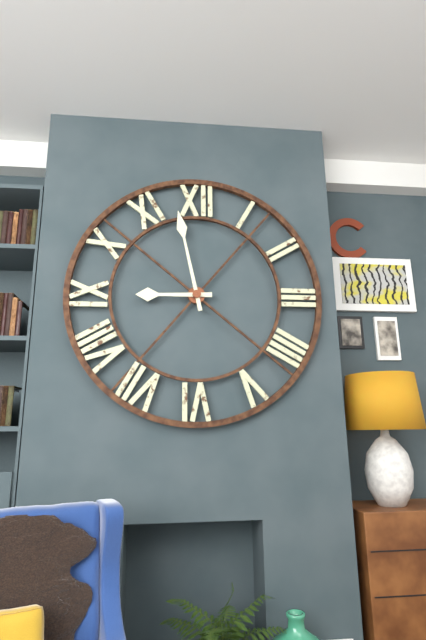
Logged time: 8 h 58 min
